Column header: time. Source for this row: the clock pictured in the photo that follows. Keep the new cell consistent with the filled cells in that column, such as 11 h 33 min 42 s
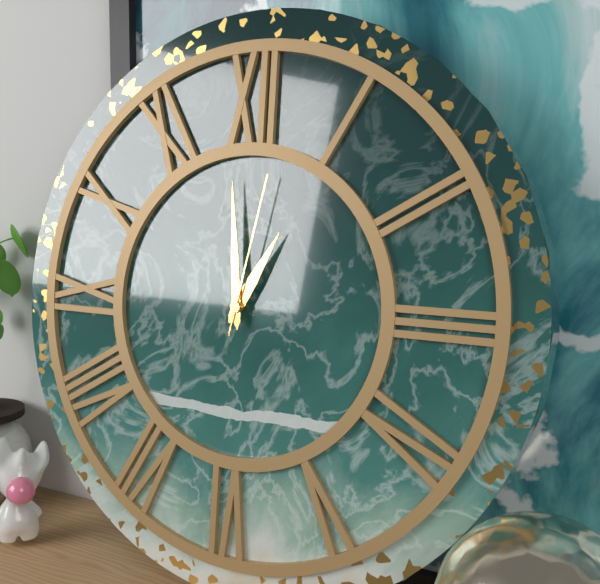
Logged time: 12 h 59 min 02 s
